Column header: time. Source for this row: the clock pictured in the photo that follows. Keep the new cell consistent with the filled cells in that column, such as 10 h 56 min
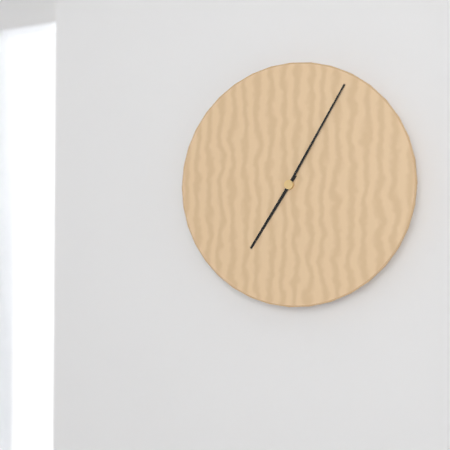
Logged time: 7 h 05 min
